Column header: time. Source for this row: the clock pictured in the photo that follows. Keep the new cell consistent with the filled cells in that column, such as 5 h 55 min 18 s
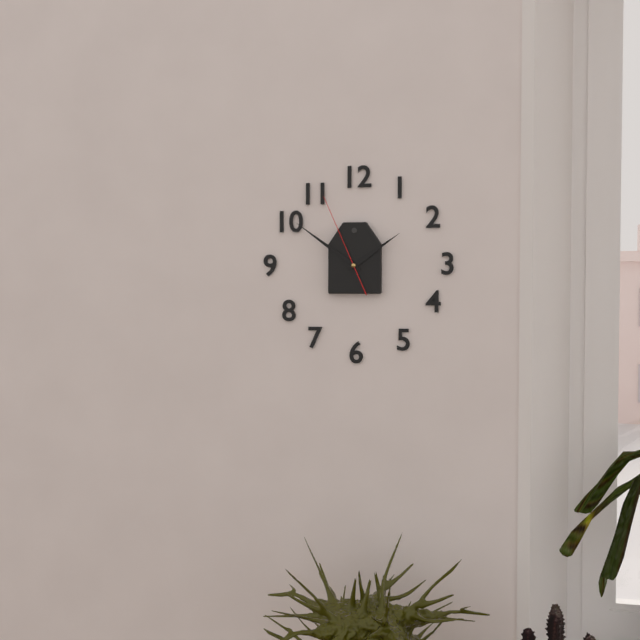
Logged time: 1 h 51 min 56 s
